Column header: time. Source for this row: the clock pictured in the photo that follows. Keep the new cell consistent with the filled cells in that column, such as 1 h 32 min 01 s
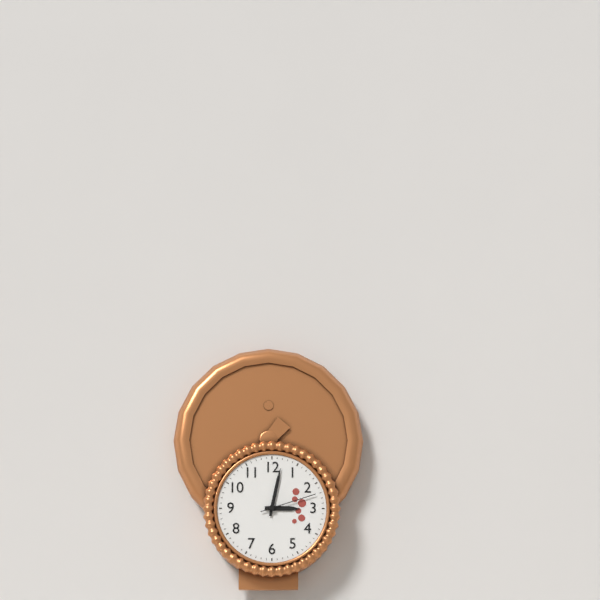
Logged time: 3 h 02 min 12 s
